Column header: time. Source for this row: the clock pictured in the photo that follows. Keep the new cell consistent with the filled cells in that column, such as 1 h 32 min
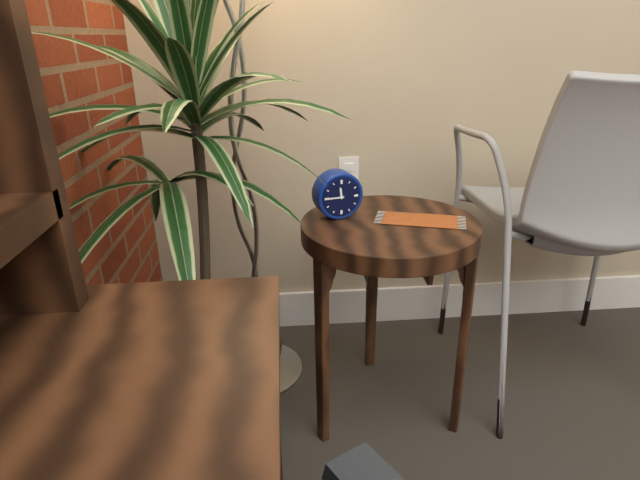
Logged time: 11 h 45 min
